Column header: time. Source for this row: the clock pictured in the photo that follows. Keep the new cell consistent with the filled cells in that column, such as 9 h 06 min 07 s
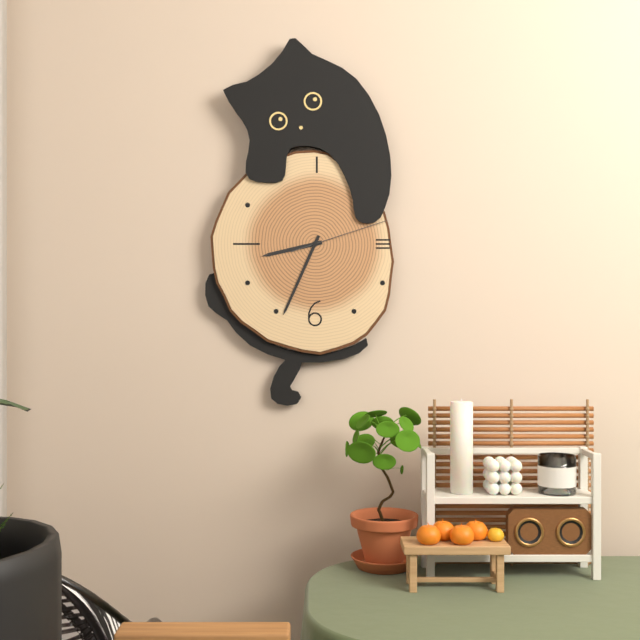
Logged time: 8 h 34 min 12 s
